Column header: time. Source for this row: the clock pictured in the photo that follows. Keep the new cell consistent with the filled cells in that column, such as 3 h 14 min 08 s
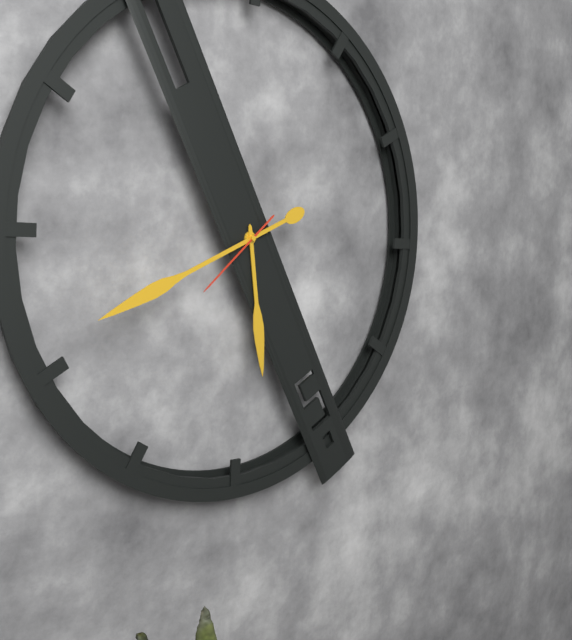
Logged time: 5 h 41 min 38 s
